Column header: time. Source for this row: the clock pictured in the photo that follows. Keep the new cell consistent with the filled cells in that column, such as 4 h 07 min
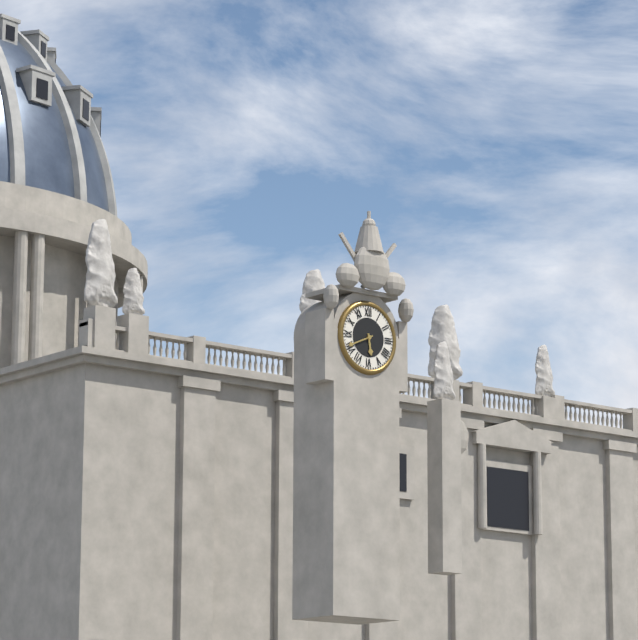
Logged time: 5 h 41 min
